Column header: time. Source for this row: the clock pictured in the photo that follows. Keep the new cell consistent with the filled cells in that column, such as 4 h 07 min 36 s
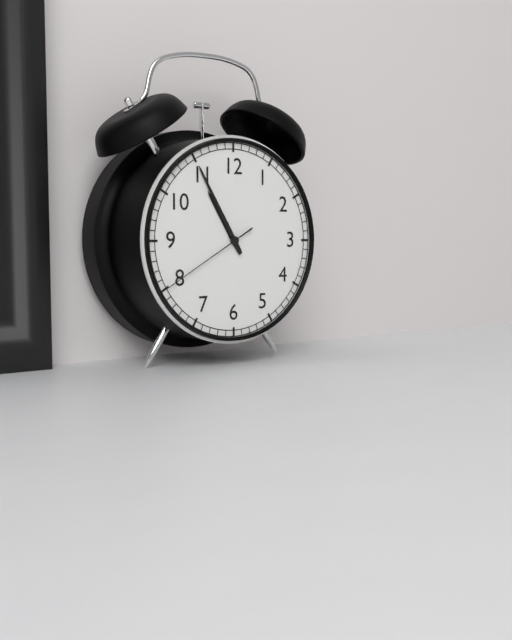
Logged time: 10 h 55 min 40 s
